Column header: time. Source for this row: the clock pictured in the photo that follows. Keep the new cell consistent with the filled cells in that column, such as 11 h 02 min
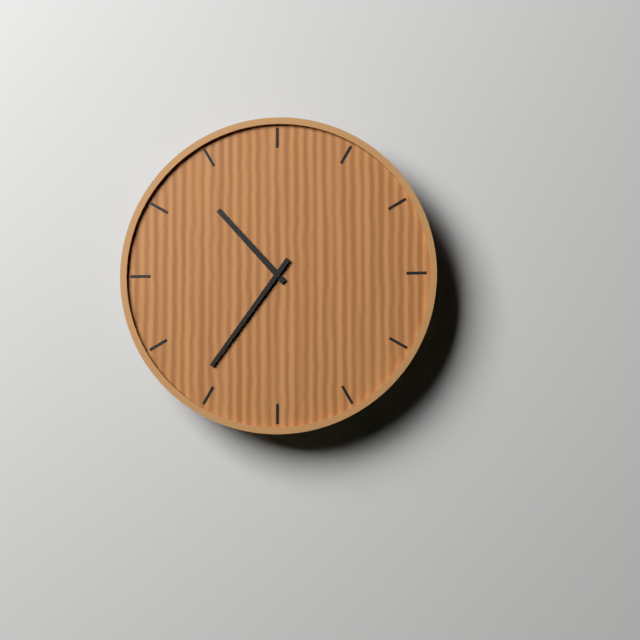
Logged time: 10 h 36 min
